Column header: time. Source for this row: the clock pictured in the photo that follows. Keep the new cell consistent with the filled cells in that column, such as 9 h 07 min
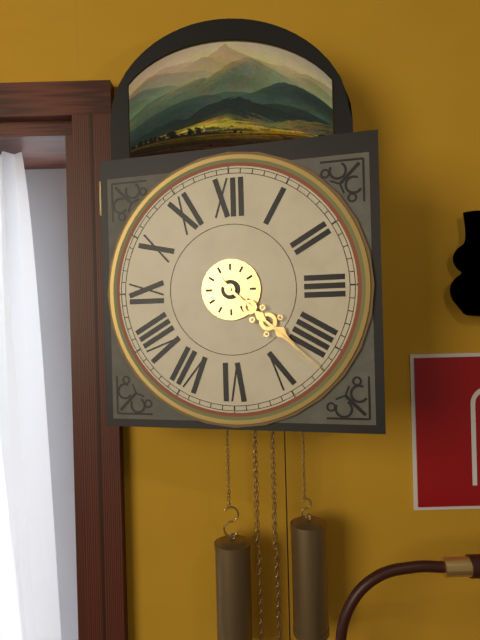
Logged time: 4 h 22 min
